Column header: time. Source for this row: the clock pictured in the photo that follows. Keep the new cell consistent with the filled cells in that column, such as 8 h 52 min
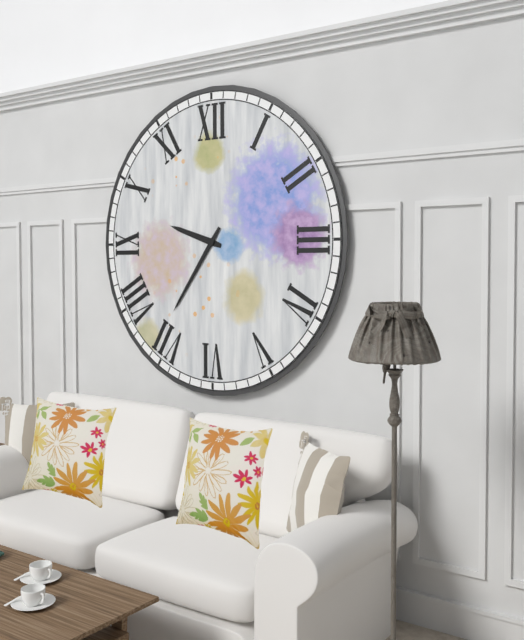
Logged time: 9 h 36 min
